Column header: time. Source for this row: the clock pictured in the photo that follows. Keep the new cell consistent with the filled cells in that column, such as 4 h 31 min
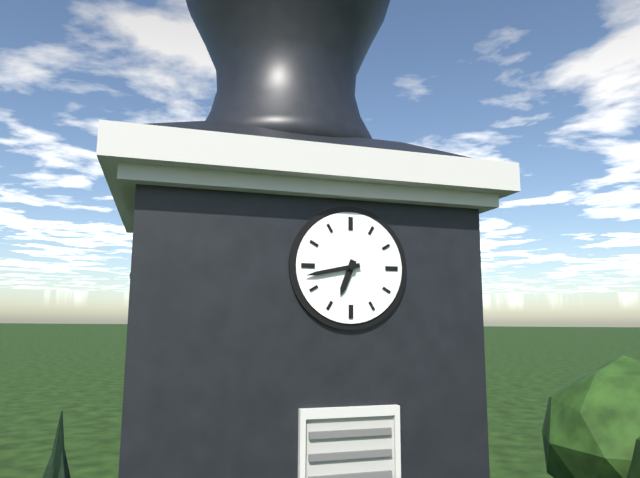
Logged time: 6 h 43 min
